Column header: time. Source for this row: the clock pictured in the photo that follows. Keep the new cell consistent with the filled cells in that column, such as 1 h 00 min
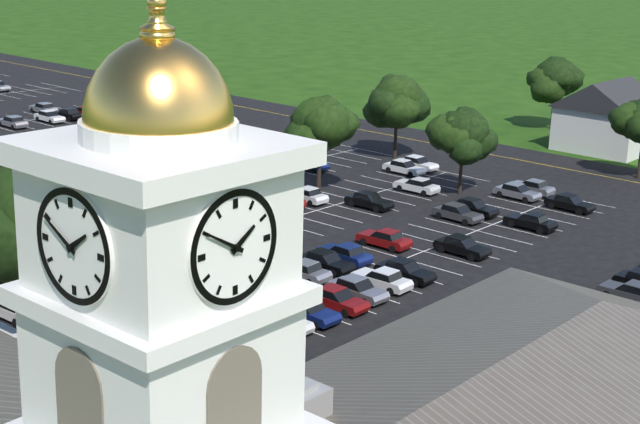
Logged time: 1 h 50 min
